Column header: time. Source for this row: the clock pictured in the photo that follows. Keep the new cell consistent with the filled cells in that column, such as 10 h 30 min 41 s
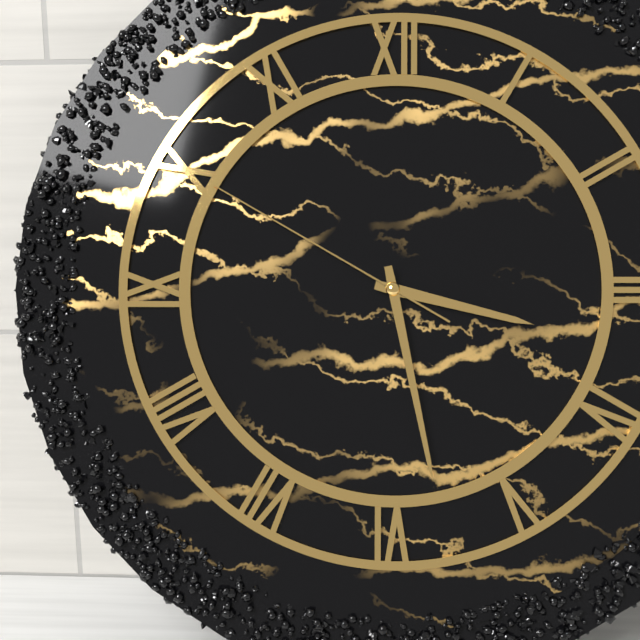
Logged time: 3 h 28 min 50 s
